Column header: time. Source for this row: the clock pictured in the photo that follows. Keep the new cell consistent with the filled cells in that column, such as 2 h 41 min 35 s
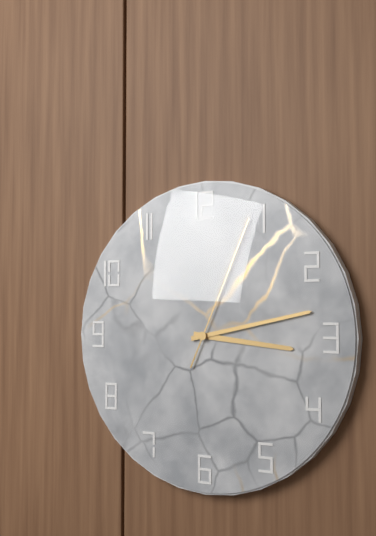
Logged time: 3 h 13 min 04 s
